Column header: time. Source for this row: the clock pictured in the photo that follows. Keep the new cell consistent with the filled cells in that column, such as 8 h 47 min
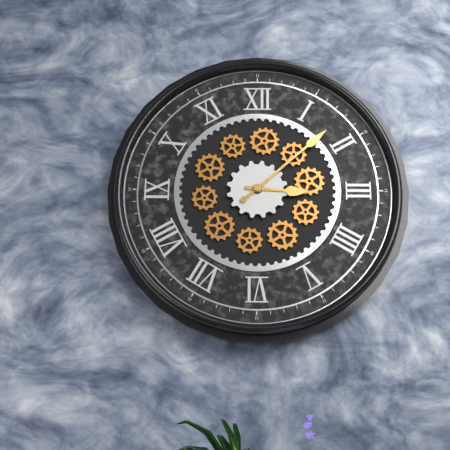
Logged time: 3 h 08 min
